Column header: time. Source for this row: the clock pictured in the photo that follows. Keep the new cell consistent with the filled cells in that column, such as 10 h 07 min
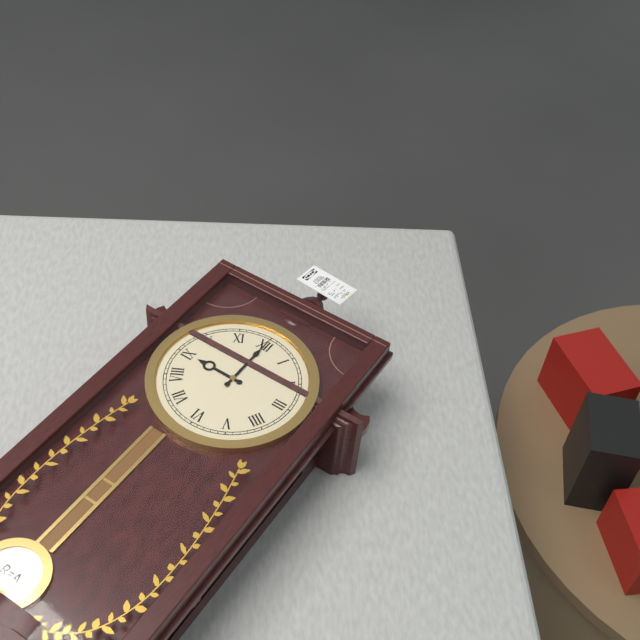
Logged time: 9 h 00 min
